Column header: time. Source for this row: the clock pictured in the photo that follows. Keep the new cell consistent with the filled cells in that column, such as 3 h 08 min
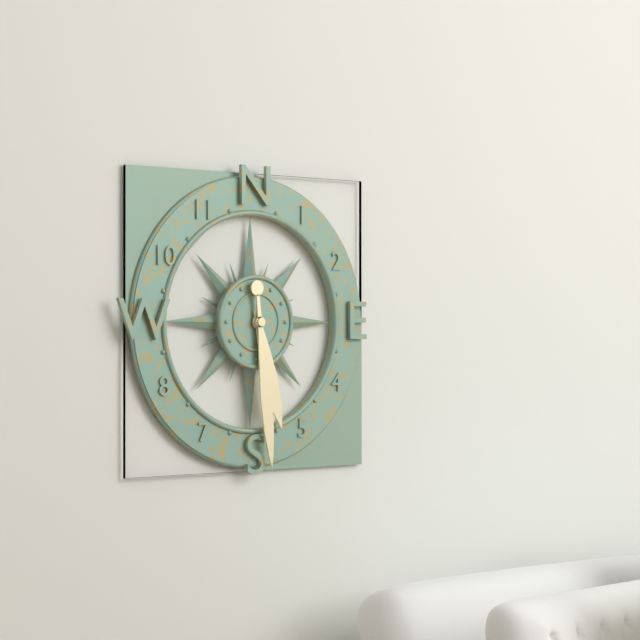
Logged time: 5 h 29 min
